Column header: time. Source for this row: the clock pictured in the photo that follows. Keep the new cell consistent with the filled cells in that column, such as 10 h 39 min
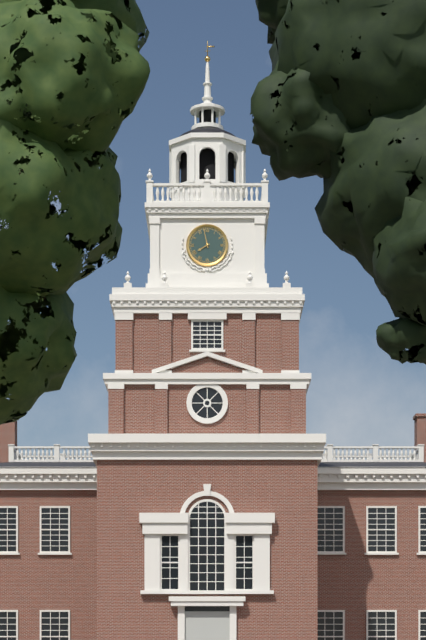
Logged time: 7 h 58 min
